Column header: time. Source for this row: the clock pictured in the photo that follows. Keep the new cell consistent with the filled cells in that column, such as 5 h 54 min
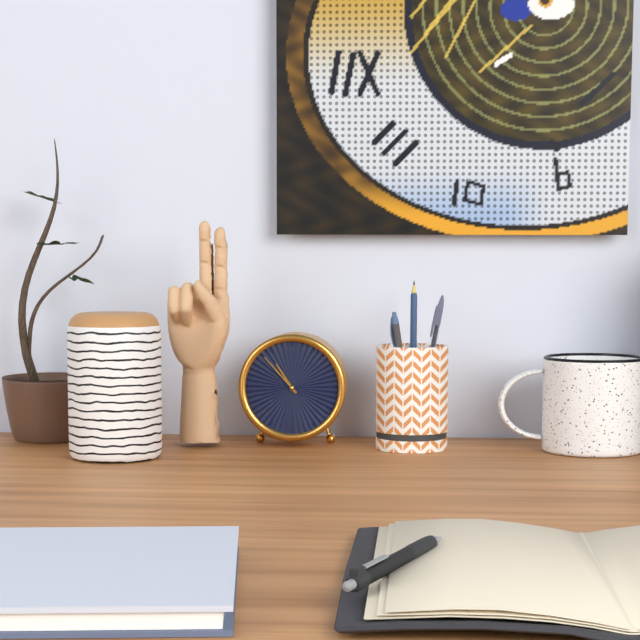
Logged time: 10 h 53 min
